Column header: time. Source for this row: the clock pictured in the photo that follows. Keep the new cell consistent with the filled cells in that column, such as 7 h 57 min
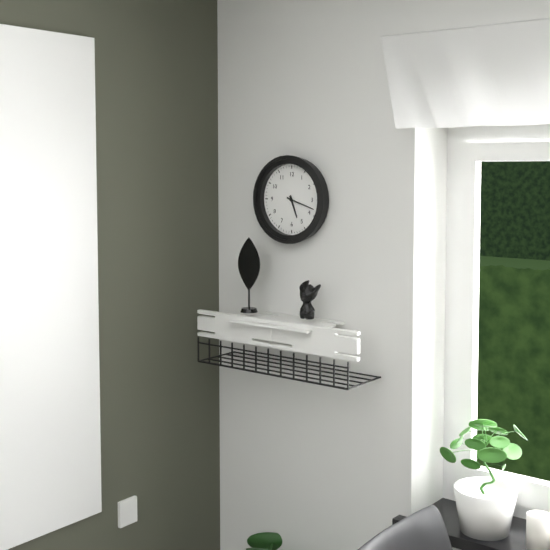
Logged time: 5 h 18 min
